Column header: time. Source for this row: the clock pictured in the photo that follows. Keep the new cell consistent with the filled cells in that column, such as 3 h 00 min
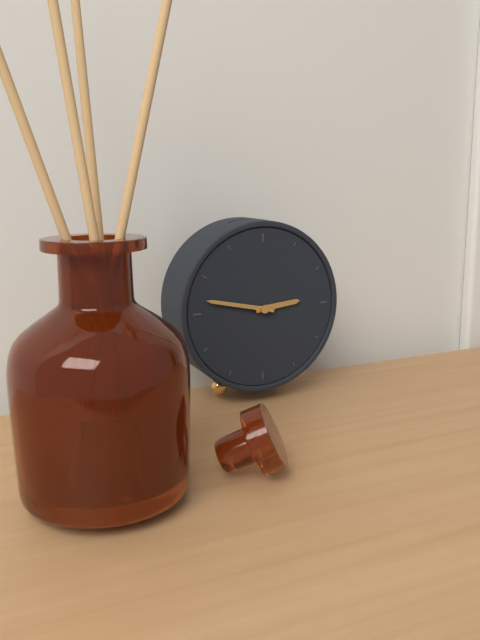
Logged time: 2 h 47 min
